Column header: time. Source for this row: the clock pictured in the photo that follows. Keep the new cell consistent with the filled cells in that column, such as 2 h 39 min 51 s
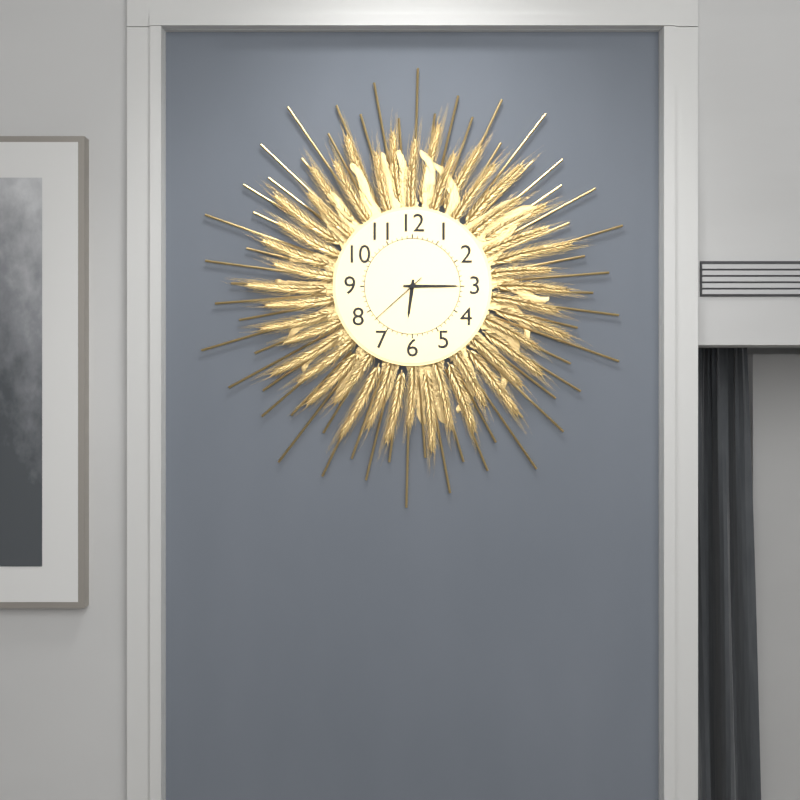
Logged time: 6 h 15 min 38 s
